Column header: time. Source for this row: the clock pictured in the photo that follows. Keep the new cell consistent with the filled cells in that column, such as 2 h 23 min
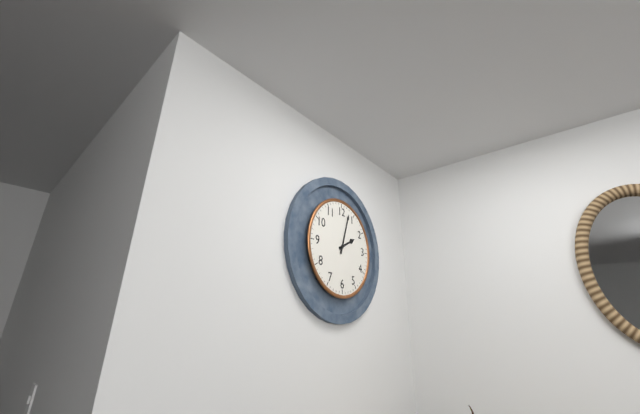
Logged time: 2 h 03 min
